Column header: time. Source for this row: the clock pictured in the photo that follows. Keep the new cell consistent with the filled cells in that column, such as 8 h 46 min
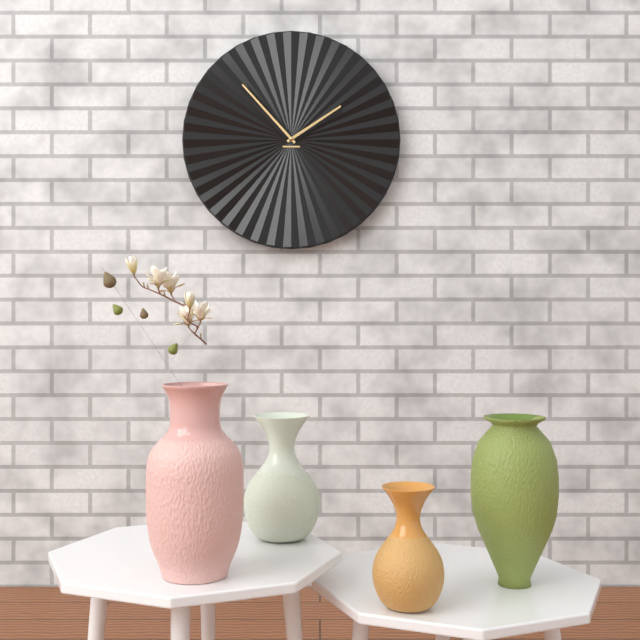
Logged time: 1 h 53 min
